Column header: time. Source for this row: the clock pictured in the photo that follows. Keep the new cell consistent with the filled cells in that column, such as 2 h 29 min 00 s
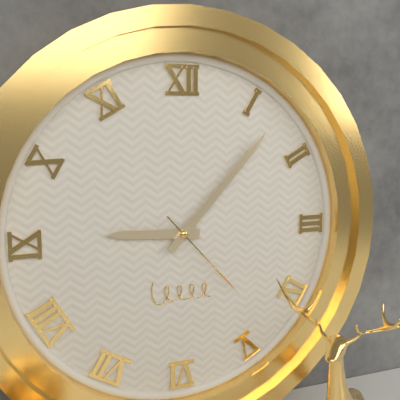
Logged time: 9 h 07 min 23 s
